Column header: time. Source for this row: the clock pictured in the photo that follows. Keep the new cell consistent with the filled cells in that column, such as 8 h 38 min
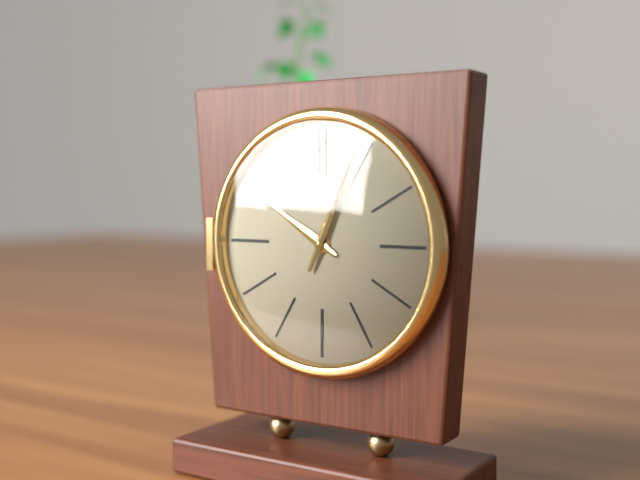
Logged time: 10 h 04 min
